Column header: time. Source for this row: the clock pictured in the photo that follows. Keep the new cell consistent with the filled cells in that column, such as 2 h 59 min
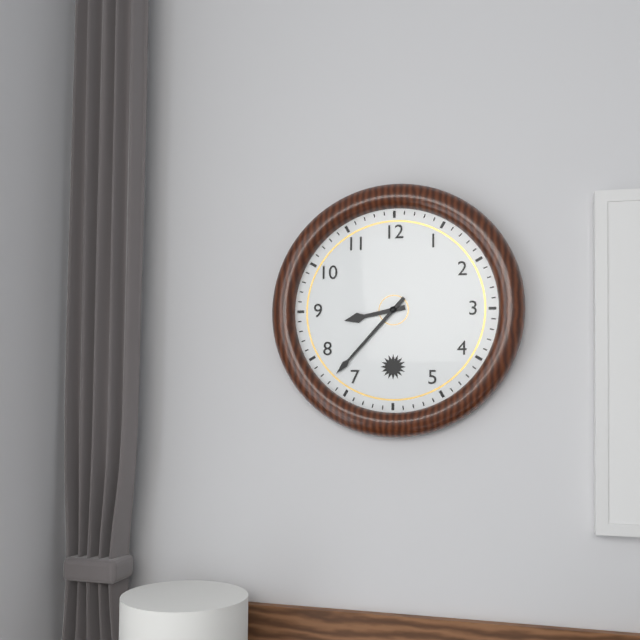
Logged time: 8 h 37 min
